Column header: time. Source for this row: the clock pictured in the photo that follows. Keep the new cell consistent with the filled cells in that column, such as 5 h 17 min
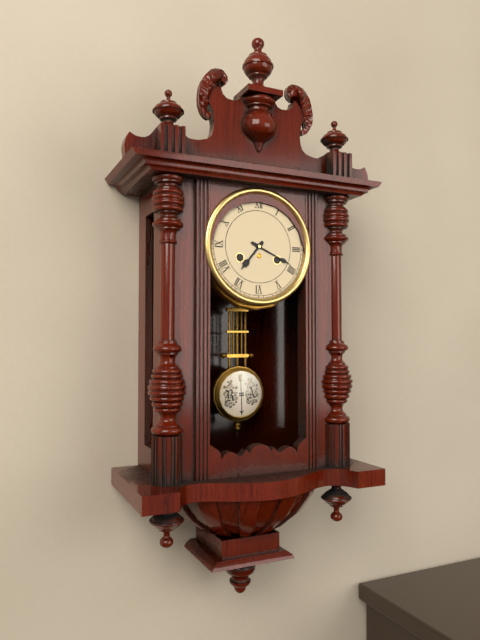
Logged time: 7 h 19 min
